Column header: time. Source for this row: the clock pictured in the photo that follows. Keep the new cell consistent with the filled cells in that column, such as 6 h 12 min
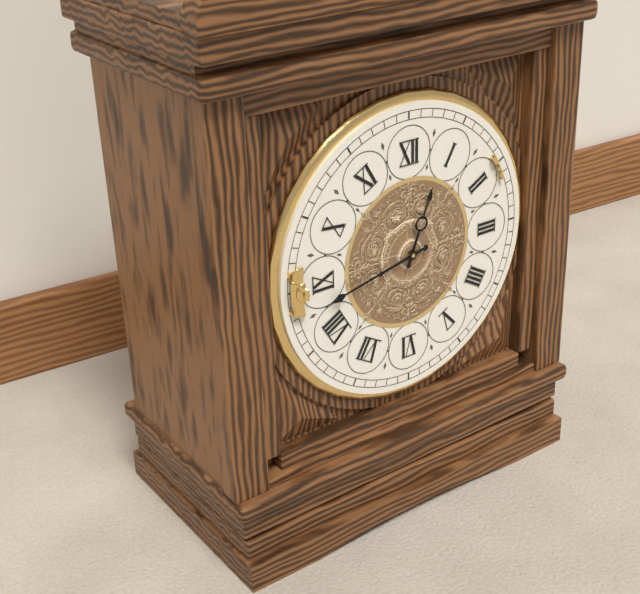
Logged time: 12 h 43 min
